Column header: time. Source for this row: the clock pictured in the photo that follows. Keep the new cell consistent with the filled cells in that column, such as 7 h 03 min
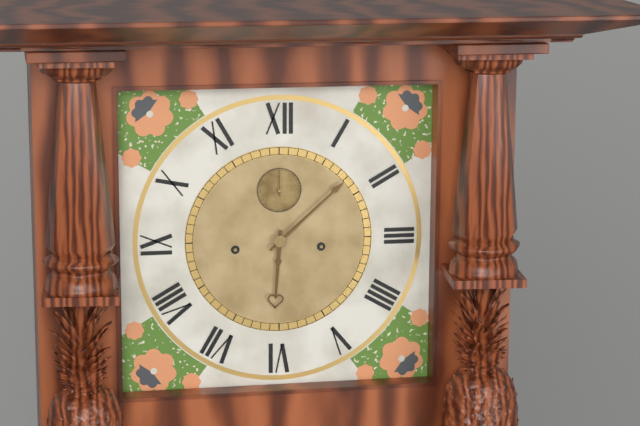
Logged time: 6 h 08 min
